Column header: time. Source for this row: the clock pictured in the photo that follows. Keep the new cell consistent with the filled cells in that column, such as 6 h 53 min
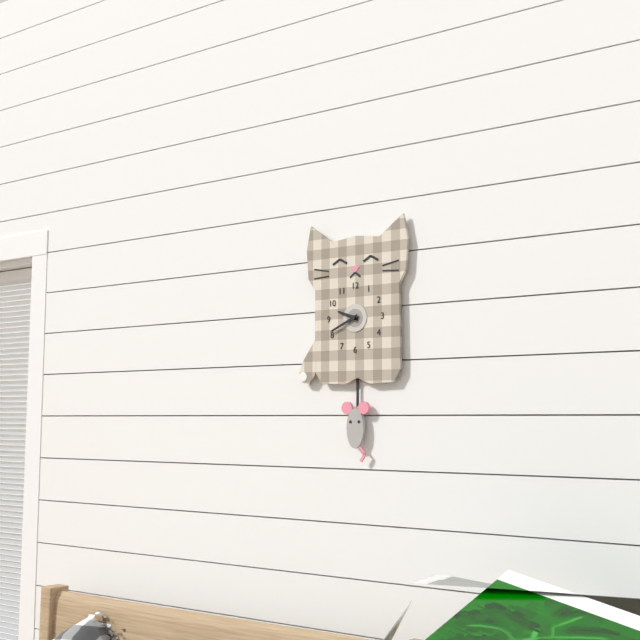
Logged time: 9 h 41 min
